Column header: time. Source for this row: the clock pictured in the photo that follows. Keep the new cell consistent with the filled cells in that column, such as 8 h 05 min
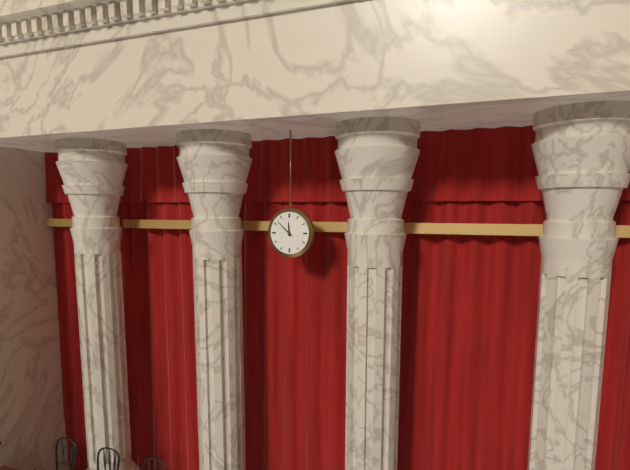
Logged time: 11 h 52 min
